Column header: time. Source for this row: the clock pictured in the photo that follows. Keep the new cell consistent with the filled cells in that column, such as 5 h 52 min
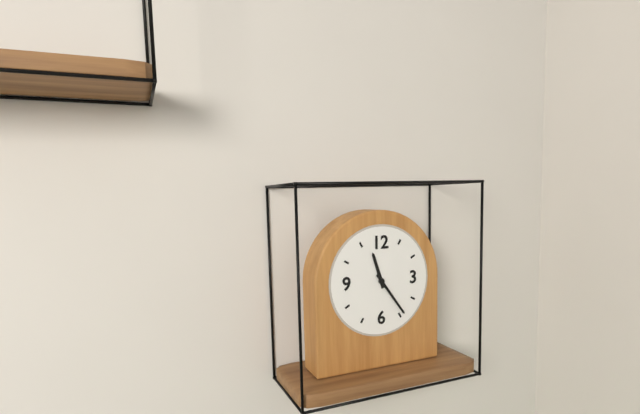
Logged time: 11 h 24 min
